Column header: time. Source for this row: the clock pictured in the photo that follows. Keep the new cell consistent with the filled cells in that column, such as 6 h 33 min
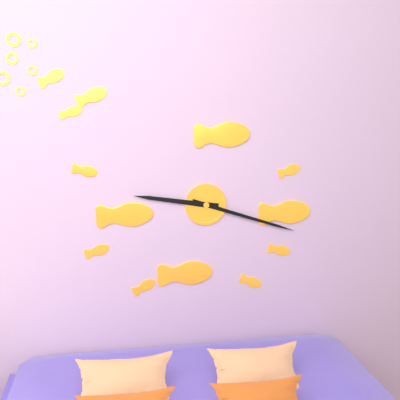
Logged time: 9 h 18 min
